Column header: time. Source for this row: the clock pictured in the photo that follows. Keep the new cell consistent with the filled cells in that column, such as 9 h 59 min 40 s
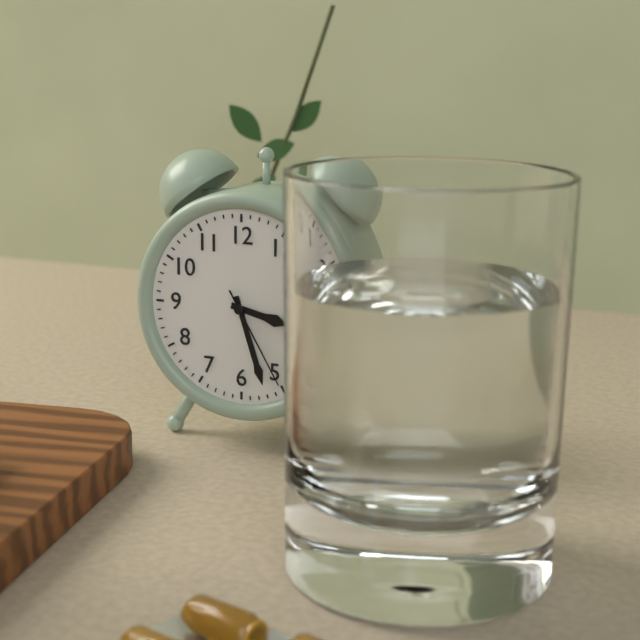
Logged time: 3 h 27 min 25 s
